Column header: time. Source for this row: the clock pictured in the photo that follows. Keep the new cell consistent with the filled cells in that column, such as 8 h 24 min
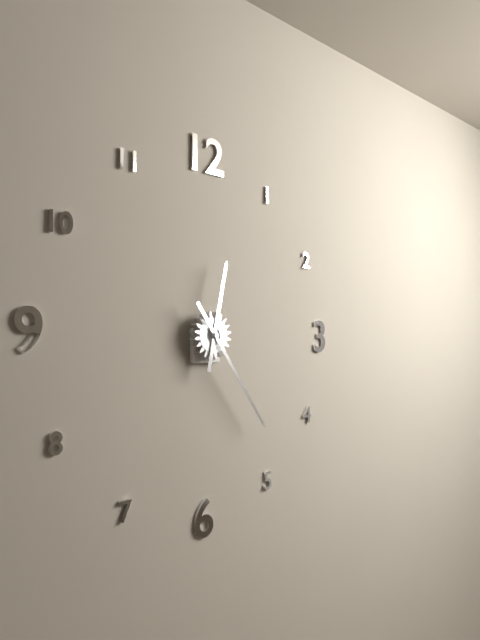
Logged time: 12 h 24 min
